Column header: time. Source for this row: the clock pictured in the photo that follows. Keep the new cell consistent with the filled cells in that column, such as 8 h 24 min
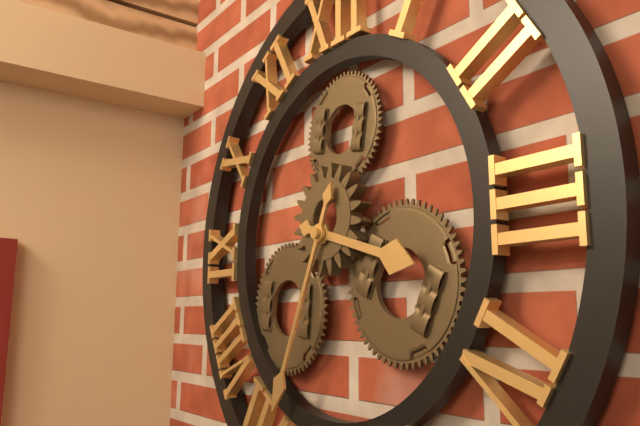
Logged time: 3 h 34 min
